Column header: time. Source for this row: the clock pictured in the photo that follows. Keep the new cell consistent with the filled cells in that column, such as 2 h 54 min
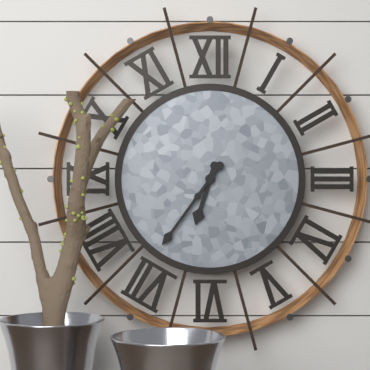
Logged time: 6 h 36 min
